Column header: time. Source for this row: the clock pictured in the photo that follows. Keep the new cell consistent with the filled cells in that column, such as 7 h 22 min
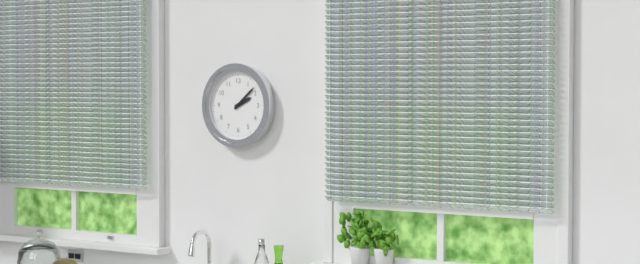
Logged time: 2 h 08 min
